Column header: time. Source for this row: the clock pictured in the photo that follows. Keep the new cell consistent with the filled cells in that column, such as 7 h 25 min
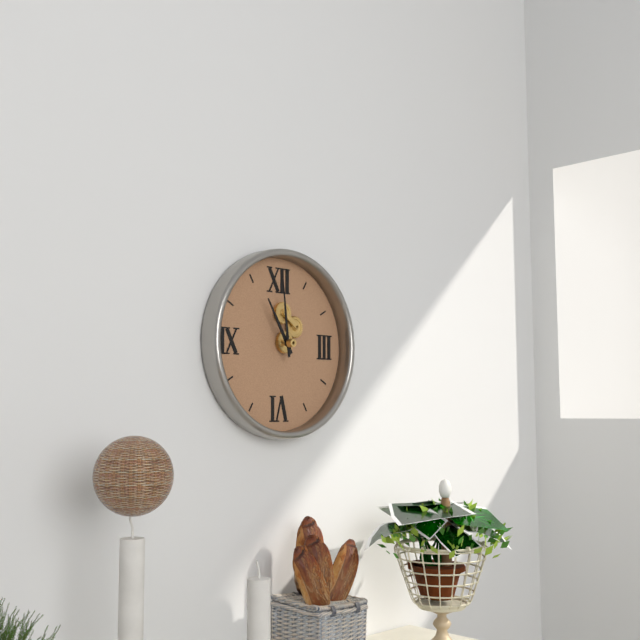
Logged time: 10 h 59 min
